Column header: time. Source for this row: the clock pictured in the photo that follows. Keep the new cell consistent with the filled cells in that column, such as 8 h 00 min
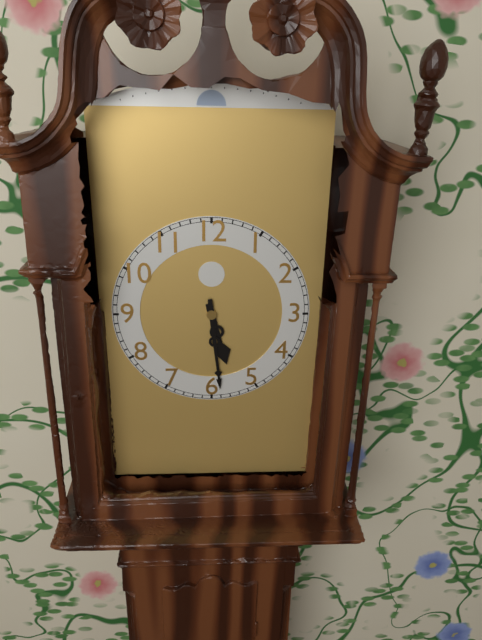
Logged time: 5 h 29 min
